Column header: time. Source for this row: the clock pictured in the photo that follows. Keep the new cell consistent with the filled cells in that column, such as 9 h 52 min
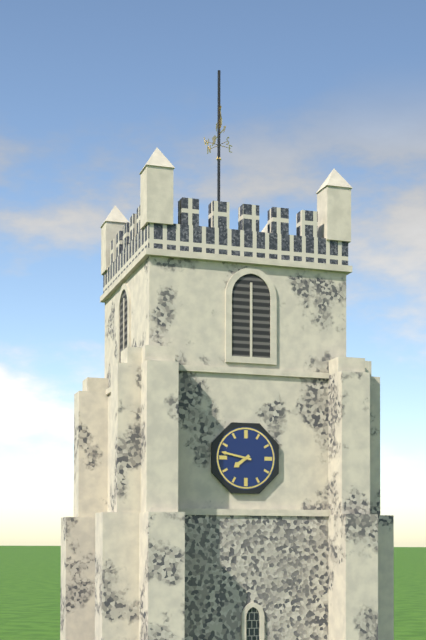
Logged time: 7 h 47 min
